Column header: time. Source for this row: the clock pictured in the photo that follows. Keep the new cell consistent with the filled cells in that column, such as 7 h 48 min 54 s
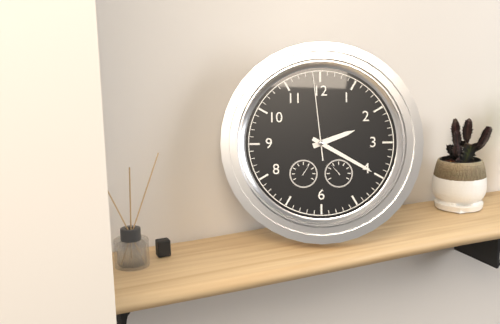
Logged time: 2 h 20 min 59 s
